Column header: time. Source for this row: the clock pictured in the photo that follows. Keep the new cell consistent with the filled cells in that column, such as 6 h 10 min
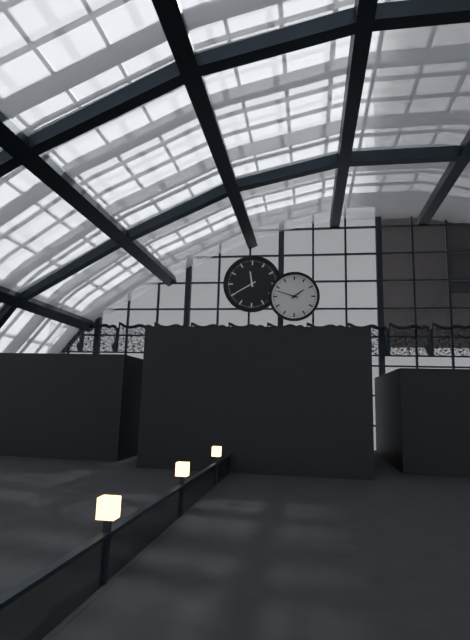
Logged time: 1 h 48 min
